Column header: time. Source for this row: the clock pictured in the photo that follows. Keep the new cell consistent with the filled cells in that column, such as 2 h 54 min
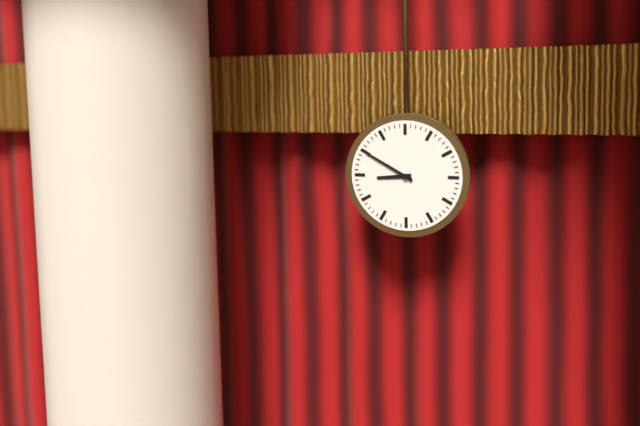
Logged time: 8 h 50 min
